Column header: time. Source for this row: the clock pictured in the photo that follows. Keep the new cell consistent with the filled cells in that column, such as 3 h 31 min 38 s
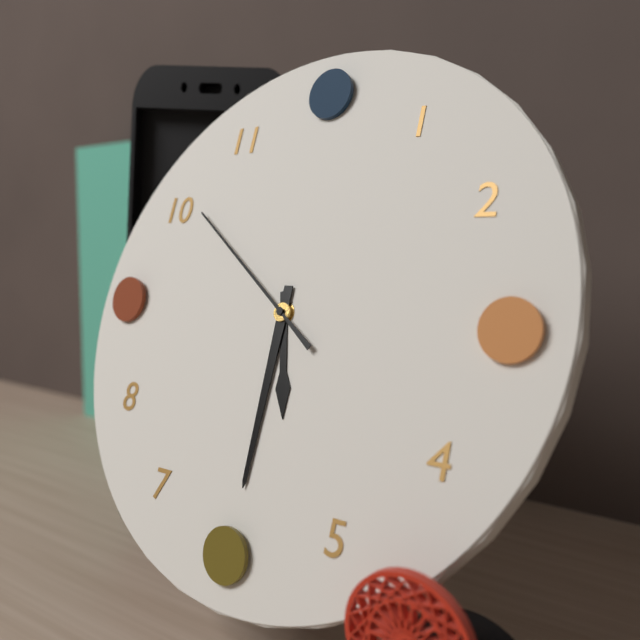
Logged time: 5 h 30 min 51 s
